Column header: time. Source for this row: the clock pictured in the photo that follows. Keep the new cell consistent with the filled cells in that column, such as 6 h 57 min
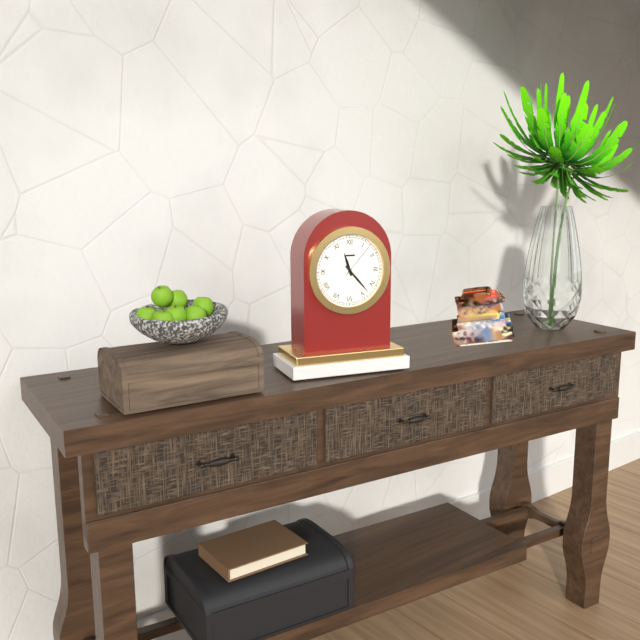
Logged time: 11 h 23 min
